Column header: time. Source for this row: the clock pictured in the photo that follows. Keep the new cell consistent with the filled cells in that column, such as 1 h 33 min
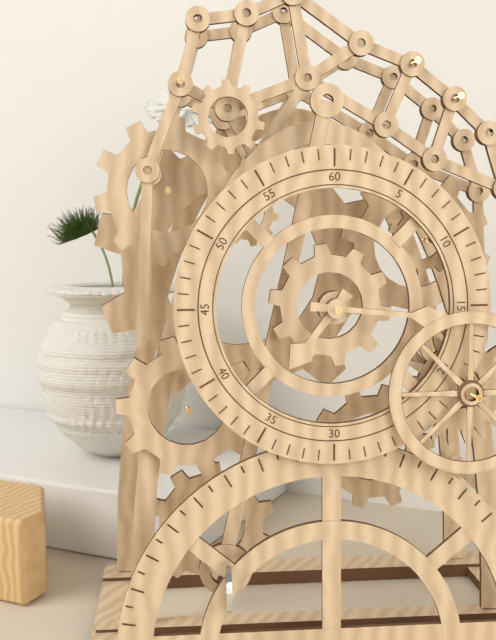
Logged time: 7 h 16 min
